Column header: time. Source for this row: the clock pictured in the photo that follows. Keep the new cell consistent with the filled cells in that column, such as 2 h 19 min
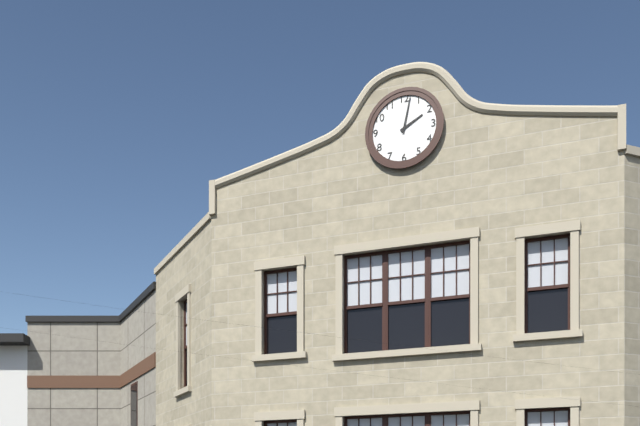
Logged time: 2 h 02 min
